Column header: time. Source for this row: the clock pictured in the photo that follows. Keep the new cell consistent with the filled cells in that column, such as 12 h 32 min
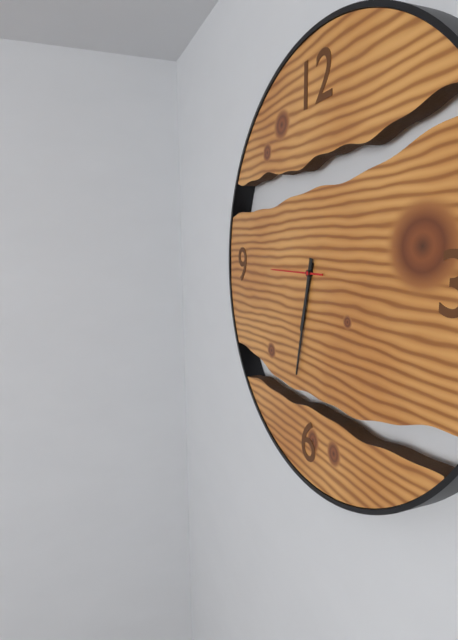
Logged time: 6 h 32 min
